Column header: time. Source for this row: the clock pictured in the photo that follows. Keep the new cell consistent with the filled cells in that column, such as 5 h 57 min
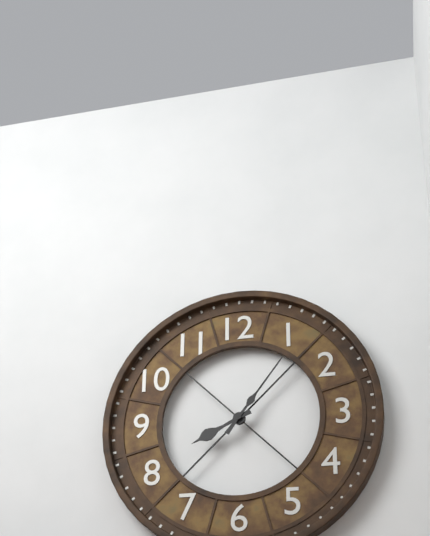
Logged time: 8 h 06 min
